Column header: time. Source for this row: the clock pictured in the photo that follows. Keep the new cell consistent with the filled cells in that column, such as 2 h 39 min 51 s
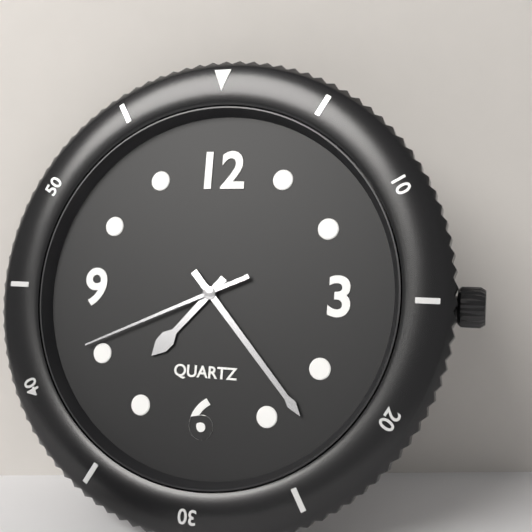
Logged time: 7 h 23 min 41 s
